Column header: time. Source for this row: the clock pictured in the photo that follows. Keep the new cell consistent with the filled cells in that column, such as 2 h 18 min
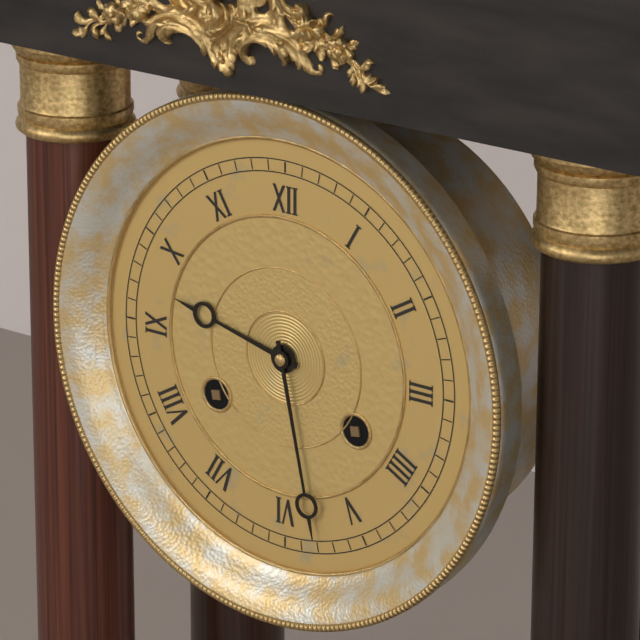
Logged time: 9 h 28 min
